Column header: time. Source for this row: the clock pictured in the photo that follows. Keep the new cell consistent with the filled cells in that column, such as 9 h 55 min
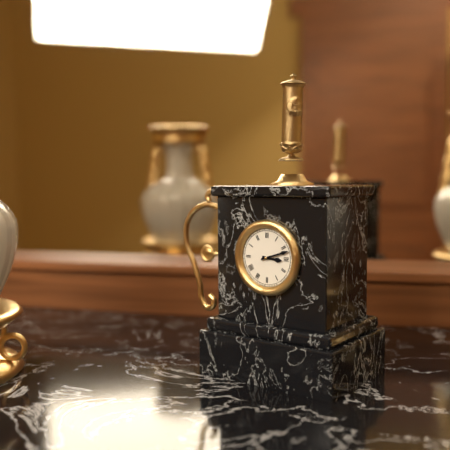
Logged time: 3 h 12 min
